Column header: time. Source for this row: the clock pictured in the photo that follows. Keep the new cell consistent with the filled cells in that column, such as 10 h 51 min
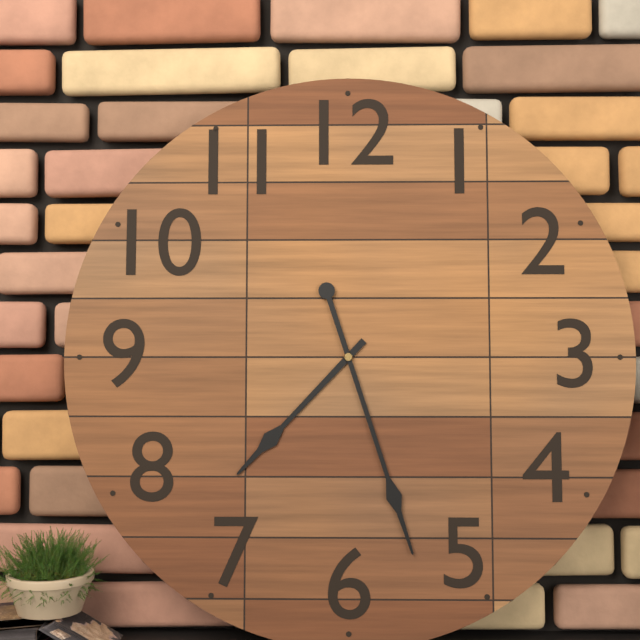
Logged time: 7 h 27 min
